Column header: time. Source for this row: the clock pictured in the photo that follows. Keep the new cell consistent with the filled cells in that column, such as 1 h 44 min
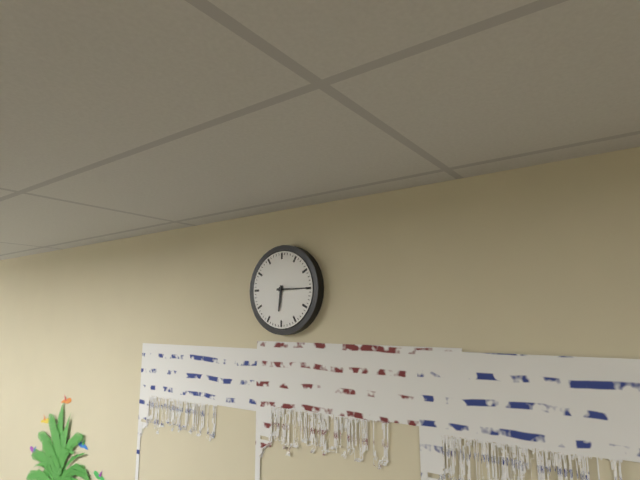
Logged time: 6 h 15 min
